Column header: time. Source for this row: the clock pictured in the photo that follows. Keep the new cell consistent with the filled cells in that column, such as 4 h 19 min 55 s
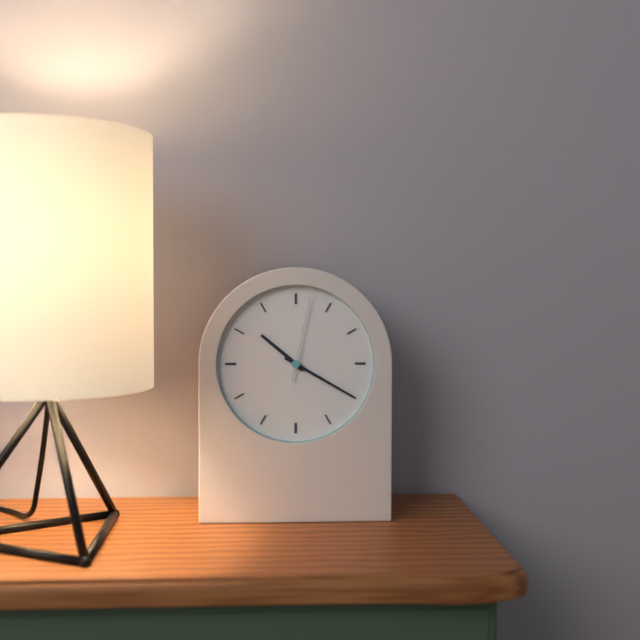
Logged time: 10 h 20 min 02 s
